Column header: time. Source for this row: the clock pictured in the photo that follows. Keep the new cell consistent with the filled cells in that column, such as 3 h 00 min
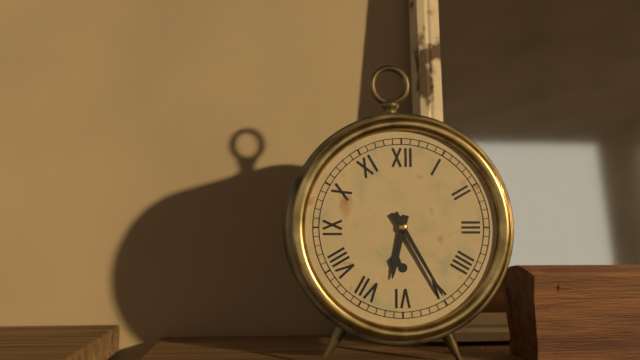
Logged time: 6 h 25 min
